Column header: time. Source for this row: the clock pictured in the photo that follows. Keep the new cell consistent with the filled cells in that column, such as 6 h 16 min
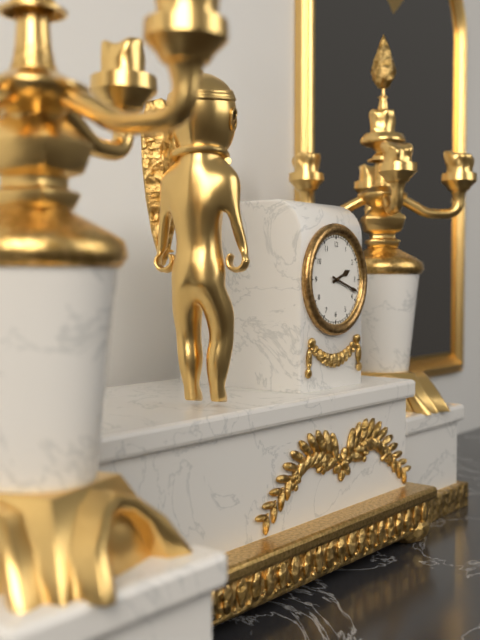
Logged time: 2 h 18 min
